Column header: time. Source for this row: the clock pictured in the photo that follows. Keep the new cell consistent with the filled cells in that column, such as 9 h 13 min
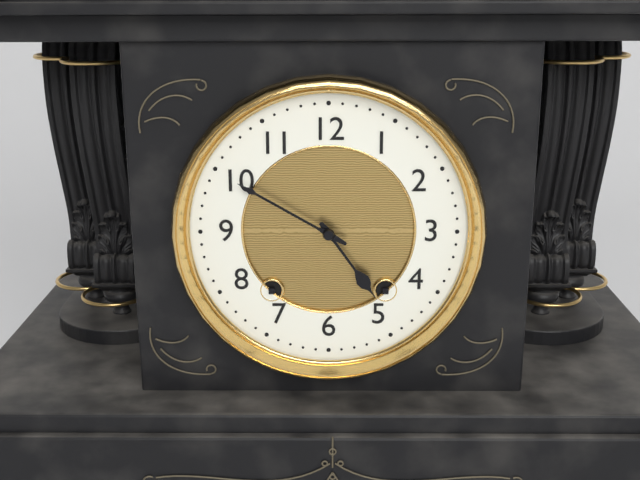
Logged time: 4 h 50 min
